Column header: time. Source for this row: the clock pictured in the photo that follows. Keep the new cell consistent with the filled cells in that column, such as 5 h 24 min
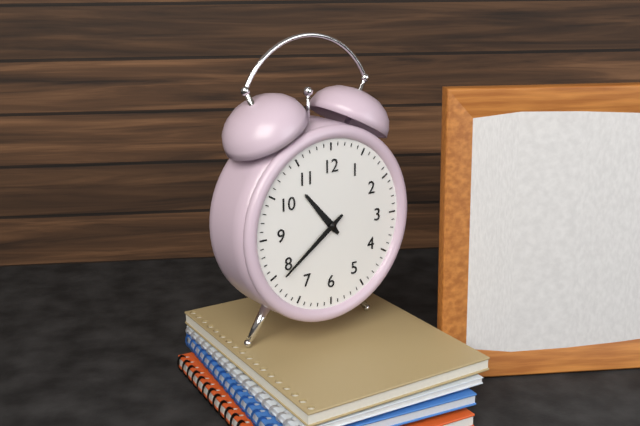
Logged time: 10 h 39 min
